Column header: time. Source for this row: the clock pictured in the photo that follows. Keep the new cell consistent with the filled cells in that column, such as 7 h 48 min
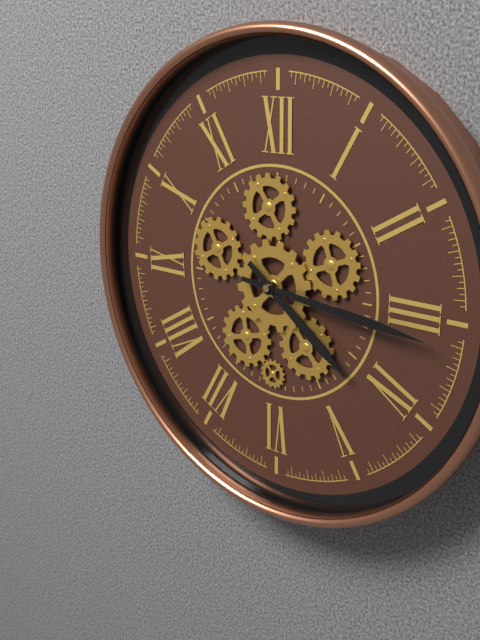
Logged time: 4 h 16 min
